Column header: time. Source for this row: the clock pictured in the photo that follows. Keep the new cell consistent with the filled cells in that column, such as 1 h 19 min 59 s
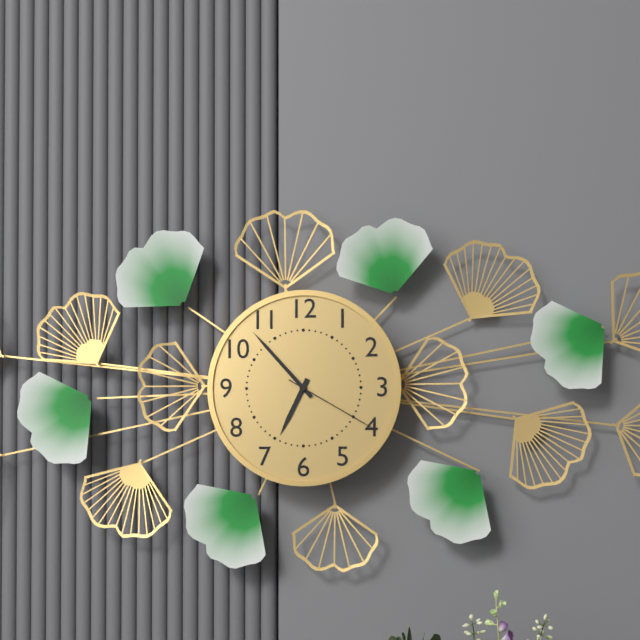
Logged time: 6 h 53 min 20 s
